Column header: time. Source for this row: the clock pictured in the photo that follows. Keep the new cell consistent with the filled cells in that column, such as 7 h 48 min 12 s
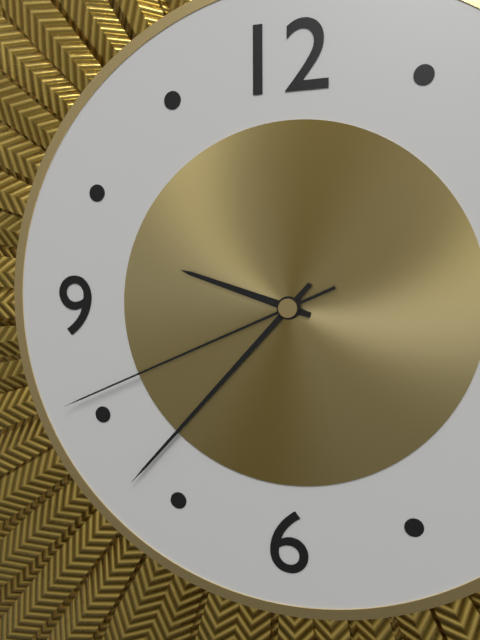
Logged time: 9 h 37 min 41 s
